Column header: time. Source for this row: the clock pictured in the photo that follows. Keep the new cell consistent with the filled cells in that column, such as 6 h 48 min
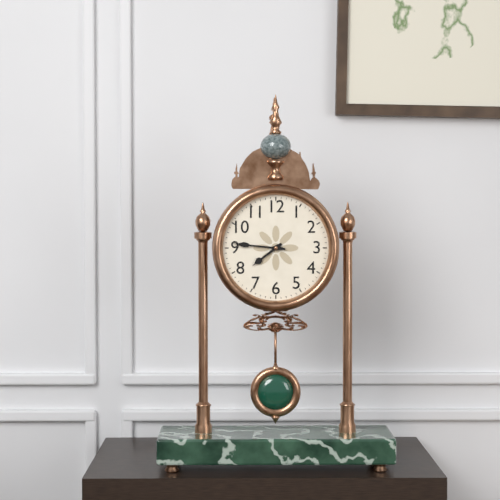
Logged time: 7 h 46 min
